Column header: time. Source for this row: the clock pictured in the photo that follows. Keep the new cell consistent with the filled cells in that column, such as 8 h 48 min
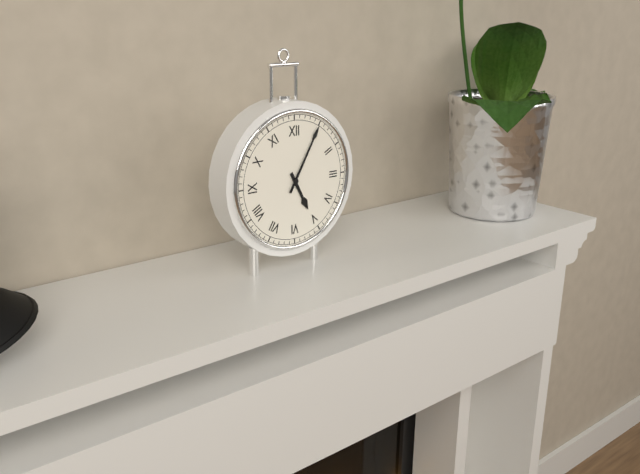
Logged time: 5 h 05 min
